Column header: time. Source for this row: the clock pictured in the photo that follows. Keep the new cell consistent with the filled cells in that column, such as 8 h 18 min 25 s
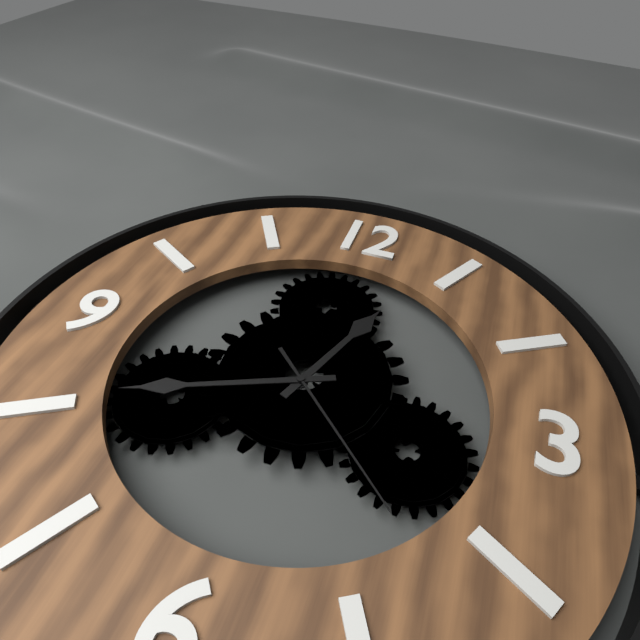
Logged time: 12 h 41 min 22 s
